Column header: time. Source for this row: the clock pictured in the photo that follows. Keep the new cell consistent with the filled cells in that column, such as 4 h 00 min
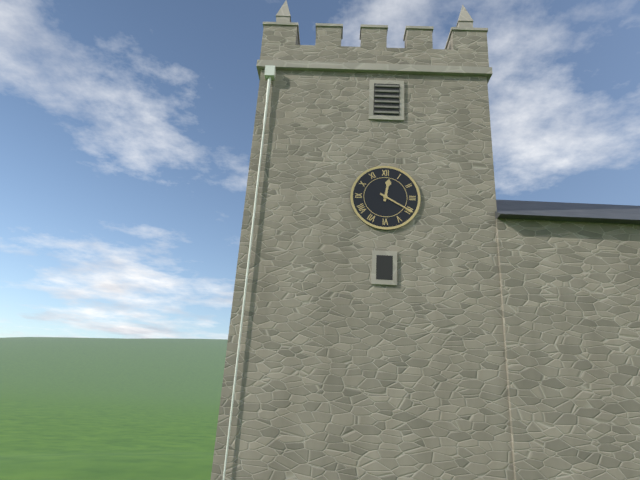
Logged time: 12 h 20 min
